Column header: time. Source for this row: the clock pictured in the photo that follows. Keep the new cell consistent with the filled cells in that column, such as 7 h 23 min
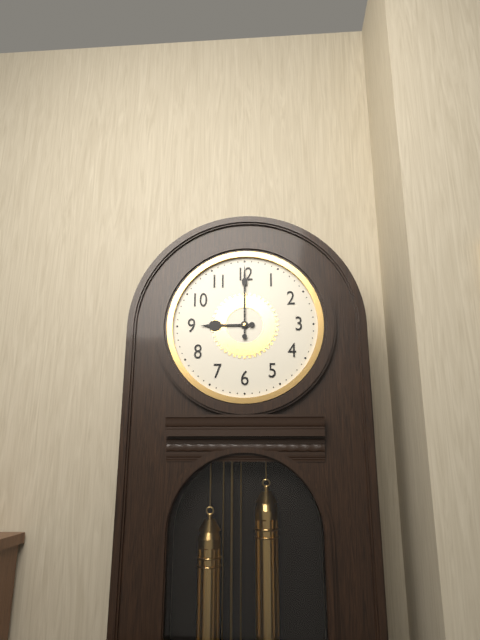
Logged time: 9 h 00 min
